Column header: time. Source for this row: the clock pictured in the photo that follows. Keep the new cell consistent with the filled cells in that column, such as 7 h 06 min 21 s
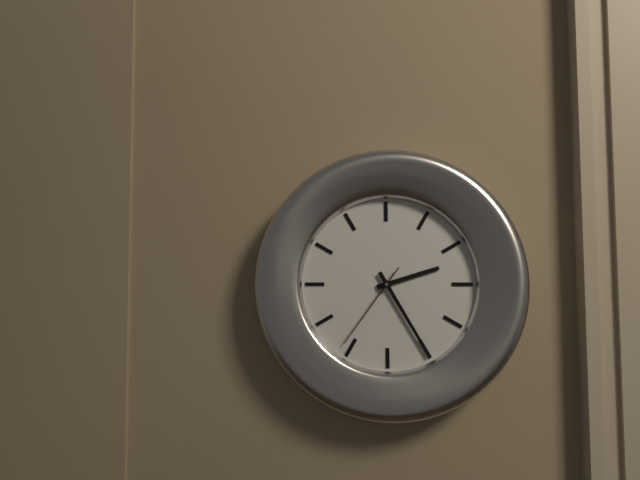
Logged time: 2 h 25 min 36 s
